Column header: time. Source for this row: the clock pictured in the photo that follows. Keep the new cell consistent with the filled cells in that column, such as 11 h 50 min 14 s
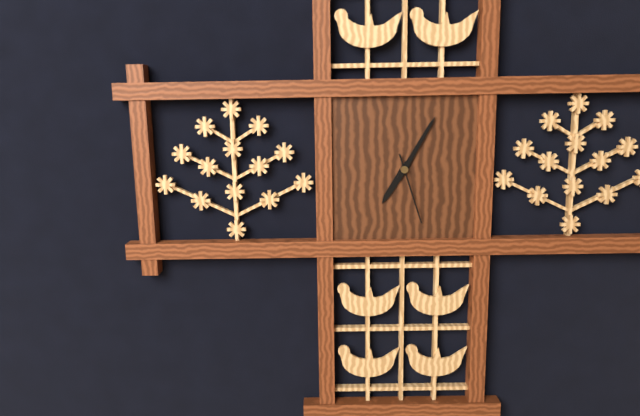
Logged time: 7 h 05 min 27 s
